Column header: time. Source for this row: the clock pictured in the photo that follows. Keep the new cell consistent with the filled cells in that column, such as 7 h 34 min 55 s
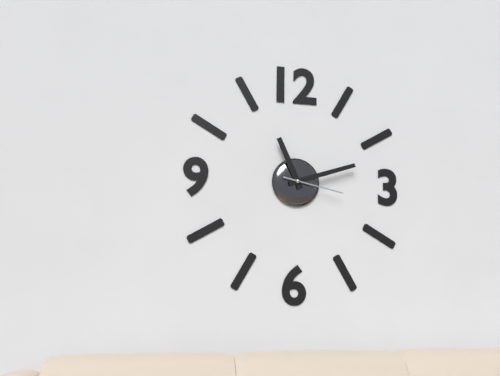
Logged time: 11 h 12 min 17 s
